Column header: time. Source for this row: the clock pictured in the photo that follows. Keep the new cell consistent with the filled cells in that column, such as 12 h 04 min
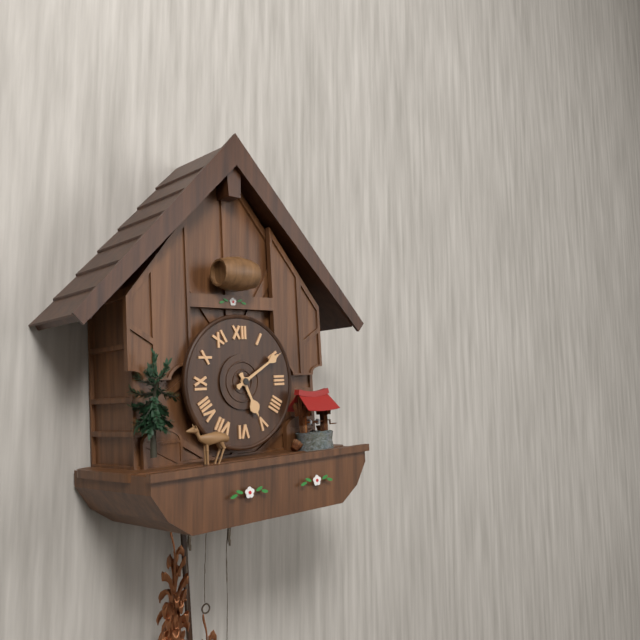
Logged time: 5 h 10 min
